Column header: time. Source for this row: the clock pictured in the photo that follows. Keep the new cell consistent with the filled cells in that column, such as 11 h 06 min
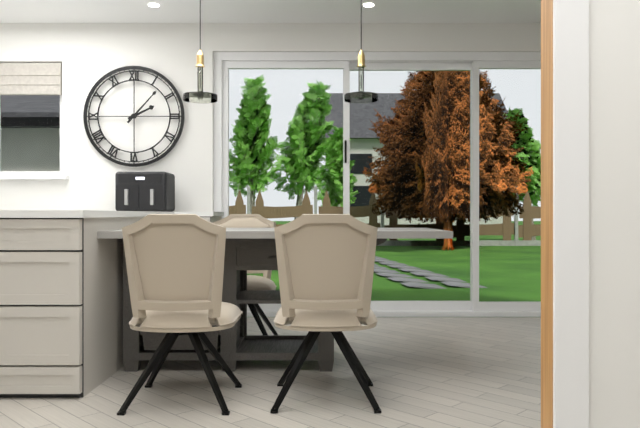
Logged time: 2 h 07 min
